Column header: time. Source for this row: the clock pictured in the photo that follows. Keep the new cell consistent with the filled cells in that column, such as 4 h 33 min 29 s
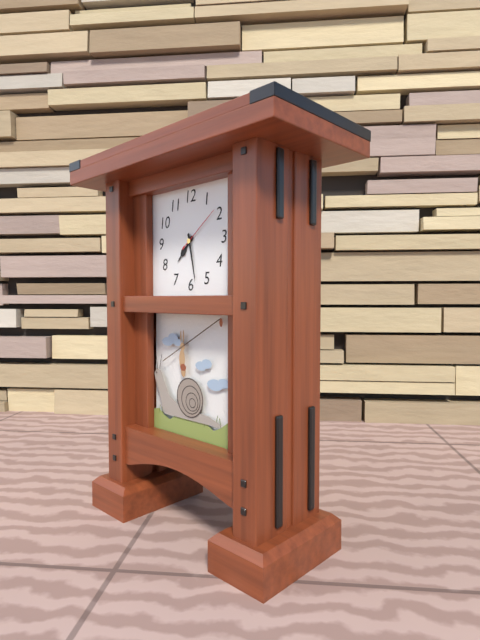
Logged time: 7 h 28 min 09 s
